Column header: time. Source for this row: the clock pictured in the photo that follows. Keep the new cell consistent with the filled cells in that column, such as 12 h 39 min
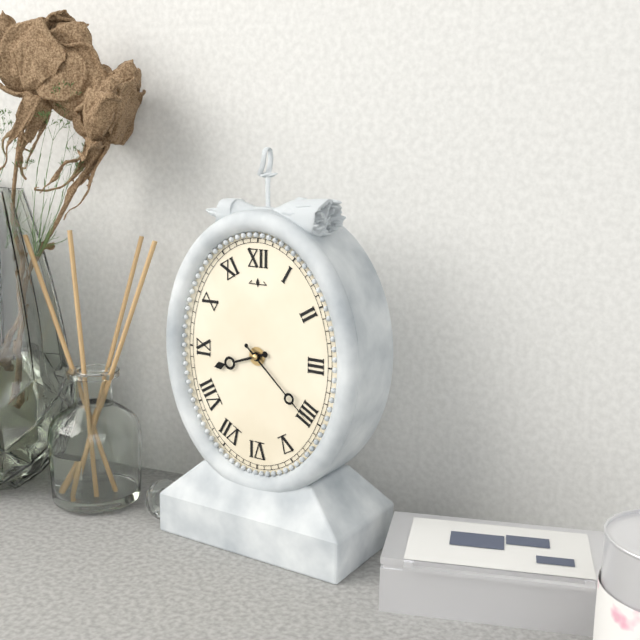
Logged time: 8 h 22 min
